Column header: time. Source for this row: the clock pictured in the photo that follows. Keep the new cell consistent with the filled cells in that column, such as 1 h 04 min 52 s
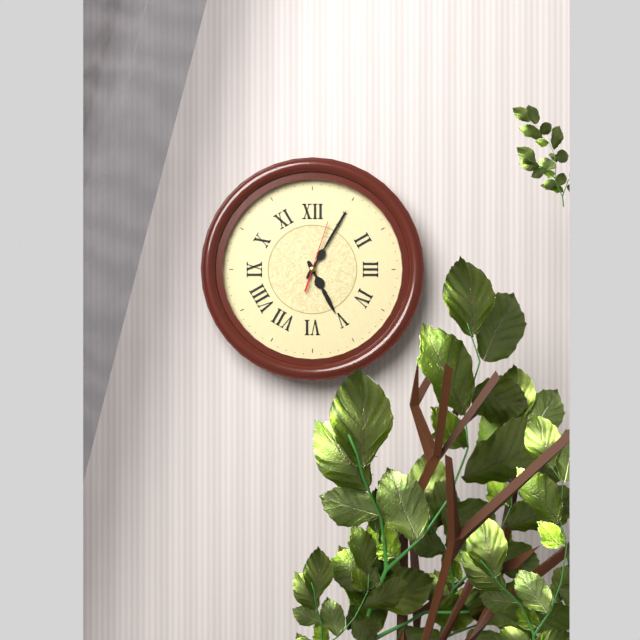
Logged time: 5 h 05 min 03 s
